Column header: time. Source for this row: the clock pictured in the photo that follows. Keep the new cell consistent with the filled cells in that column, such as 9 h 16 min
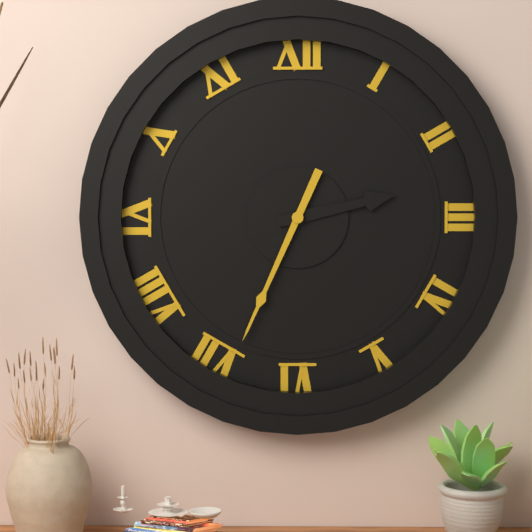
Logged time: 2 h 34 min
